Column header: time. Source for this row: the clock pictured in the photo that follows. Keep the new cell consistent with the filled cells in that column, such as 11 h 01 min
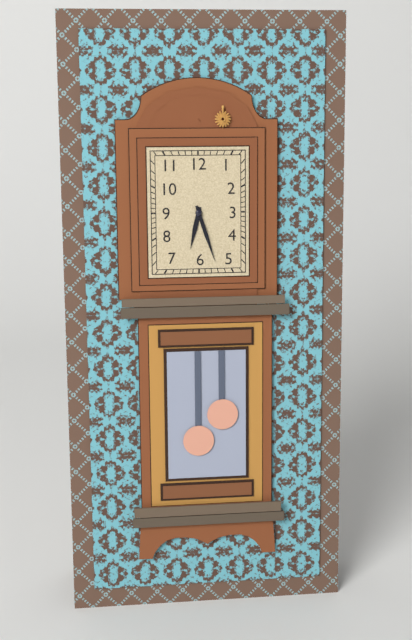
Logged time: 6 h 27 min
